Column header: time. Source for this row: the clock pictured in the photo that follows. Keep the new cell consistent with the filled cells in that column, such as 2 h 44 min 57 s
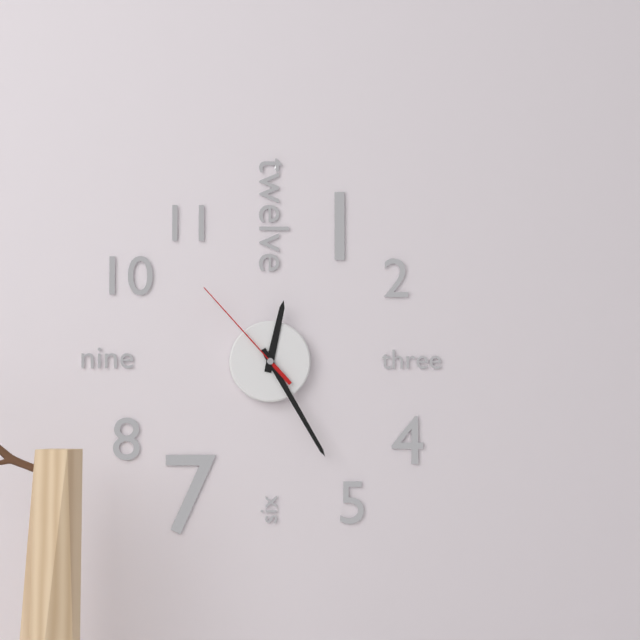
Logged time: 12 h 25 min 53 s
